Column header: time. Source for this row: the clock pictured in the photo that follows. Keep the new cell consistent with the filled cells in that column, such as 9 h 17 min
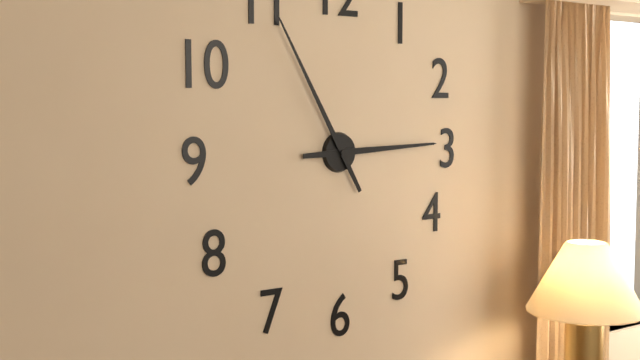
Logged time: 2 h 55 min
